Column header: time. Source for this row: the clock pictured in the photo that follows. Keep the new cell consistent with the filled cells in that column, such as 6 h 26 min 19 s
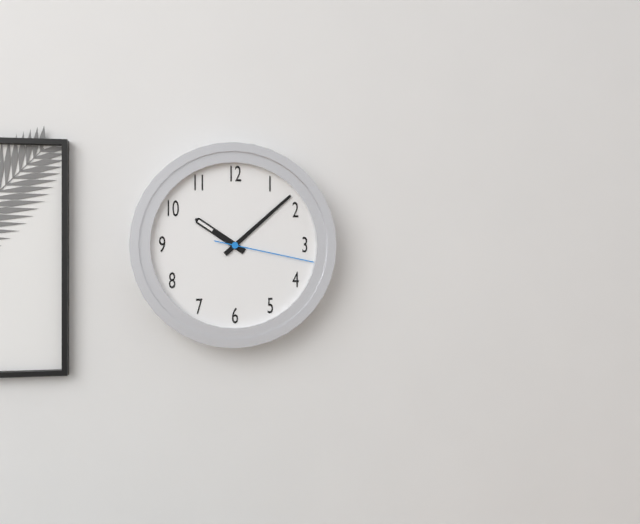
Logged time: 10 h 08 min 17 s
